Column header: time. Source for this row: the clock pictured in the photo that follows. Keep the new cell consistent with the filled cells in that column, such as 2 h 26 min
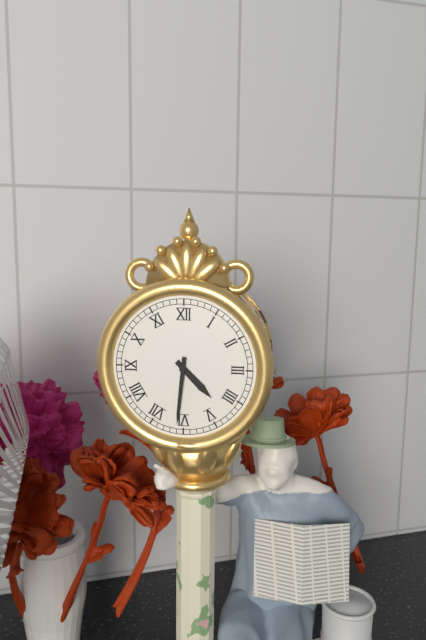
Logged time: 4 h 31 min
